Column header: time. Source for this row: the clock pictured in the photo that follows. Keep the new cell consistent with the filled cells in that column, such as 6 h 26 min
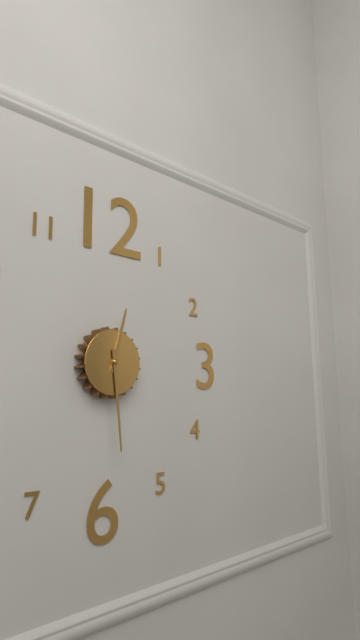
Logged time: 12 h 29 min
